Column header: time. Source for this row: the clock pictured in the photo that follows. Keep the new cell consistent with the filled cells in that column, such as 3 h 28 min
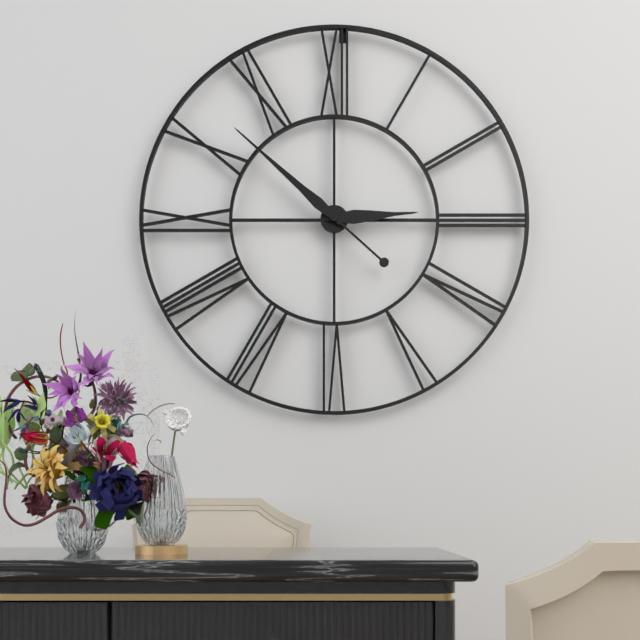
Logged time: 2 h 52 min
